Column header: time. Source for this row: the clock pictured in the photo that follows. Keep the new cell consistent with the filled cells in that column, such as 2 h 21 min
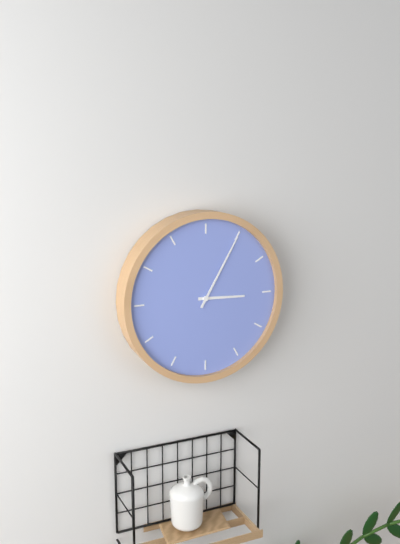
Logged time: 3 h 05 min
